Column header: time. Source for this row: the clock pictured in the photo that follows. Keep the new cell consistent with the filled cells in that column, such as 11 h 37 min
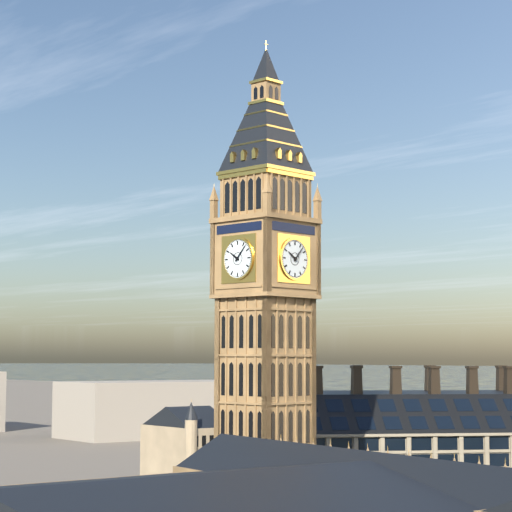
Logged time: 10 h 07 min
